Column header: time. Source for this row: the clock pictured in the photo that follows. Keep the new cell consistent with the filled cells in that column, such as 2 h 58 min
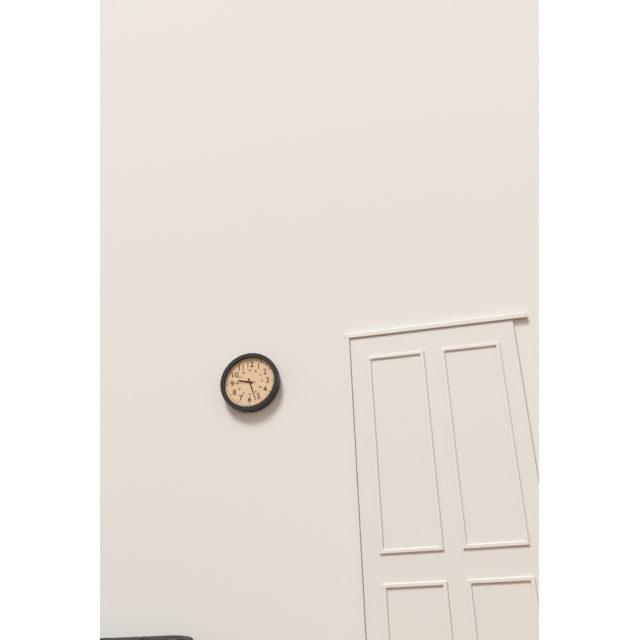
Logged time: 9 h 27 min
